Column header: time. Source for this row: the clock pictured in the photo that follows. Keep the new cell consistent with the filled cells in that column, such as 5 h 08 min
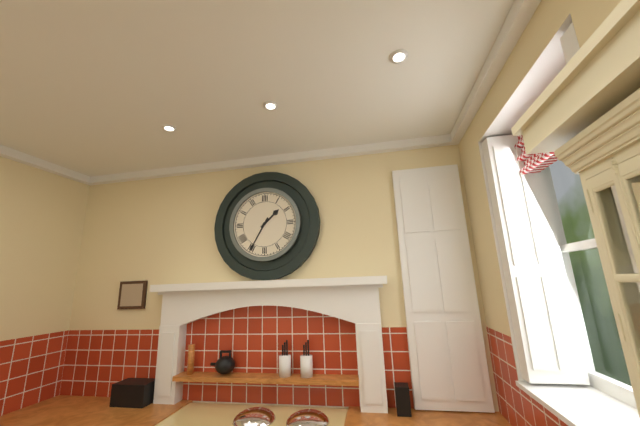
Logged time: 1 h 35 min
